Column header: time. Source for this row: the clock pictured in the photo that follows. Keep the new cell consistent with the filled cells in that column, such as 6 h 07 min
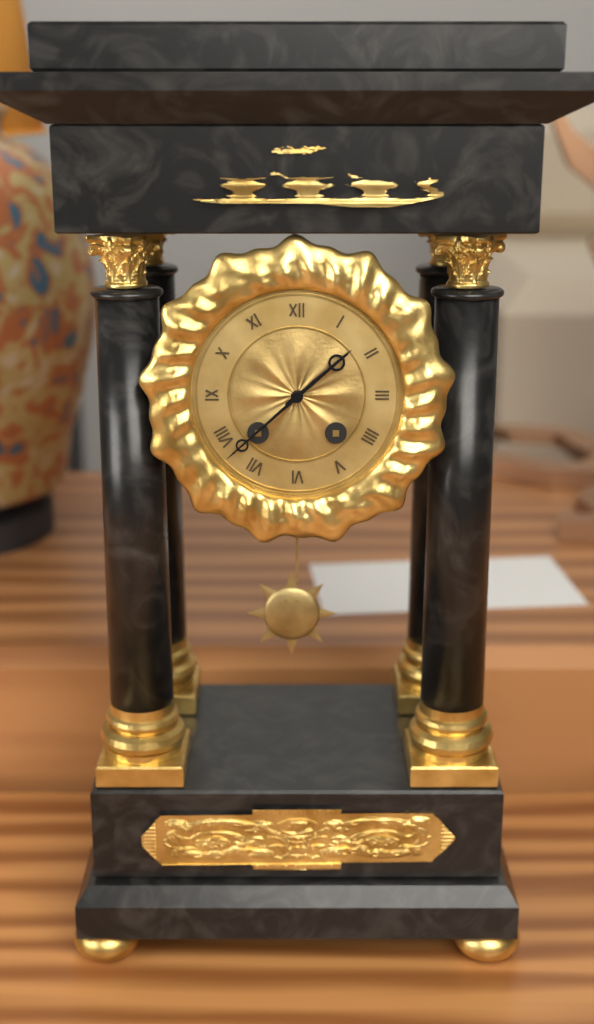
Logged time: 1 h 38 min
